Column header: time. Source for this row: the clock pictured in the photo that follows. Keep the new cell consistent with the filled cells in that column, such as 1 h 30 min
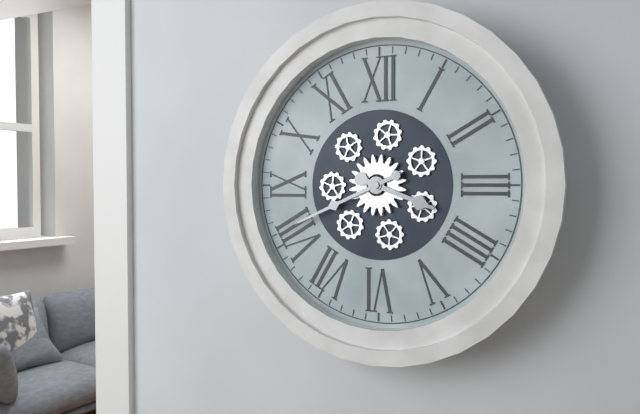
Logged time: 3 h 41 min
